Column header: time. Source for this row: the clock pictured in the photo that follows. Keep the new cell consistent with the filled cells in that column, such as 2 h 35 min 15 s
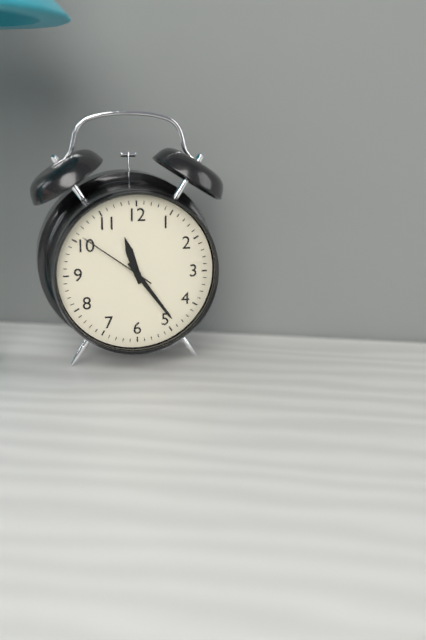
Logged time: 11 h 24 min 51 s
